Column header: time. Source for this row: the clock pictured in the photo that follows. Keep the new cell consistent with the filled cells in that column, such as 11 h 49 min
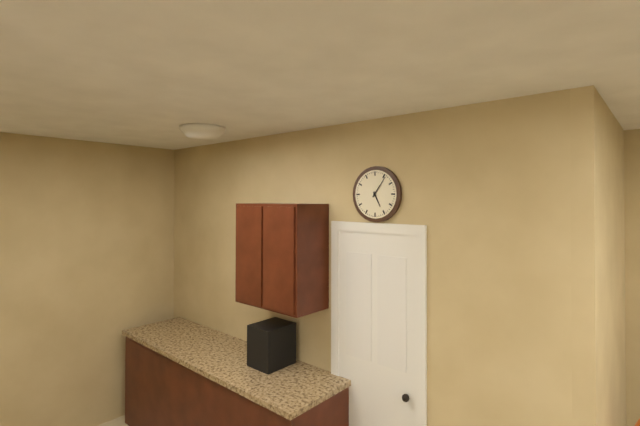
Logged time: 5 h 06 min
